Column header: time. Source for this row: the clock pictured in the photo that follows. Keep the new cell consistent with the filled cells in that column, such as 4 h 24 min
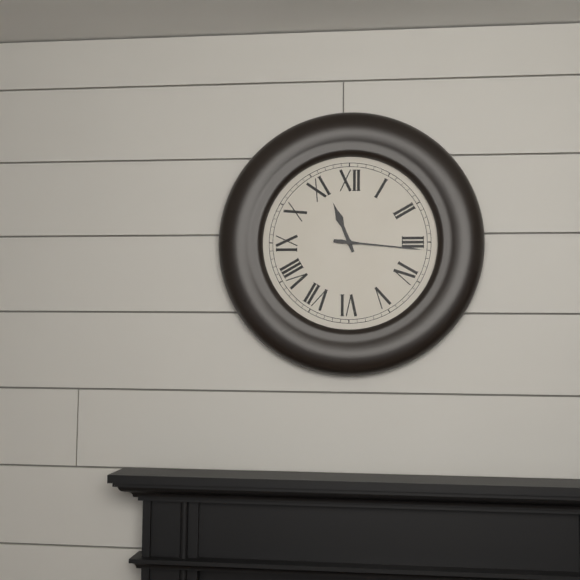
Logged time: 11 h 16 min
